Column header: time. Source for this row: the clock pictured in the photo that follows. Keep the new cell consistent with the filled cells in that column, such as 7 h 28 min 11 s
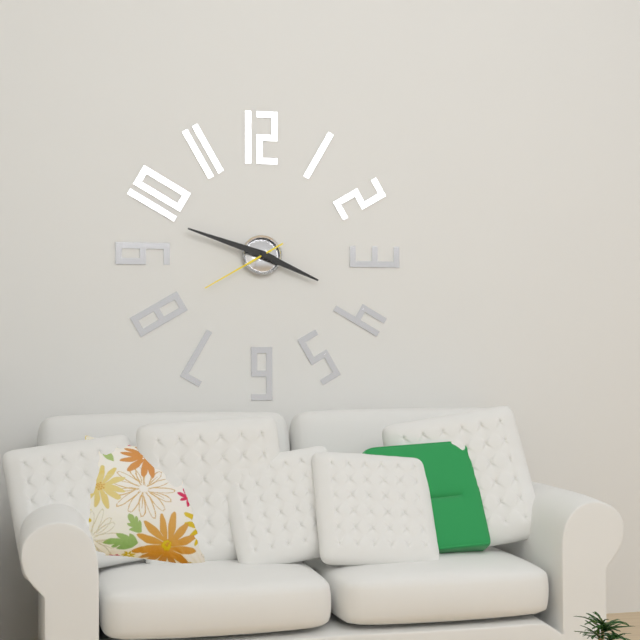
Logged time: 3 h 48 min 40 s
